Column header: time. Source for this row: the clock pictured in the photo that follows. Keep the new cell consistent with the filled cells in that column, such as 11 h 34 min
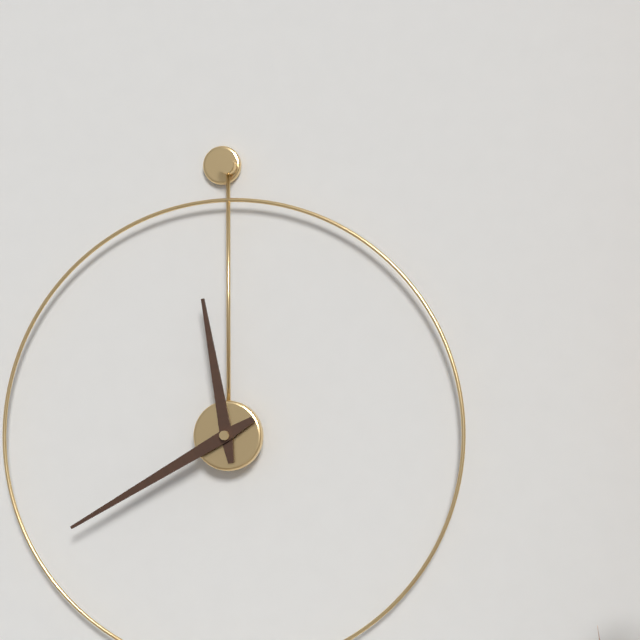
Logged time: 11 h 40 min
